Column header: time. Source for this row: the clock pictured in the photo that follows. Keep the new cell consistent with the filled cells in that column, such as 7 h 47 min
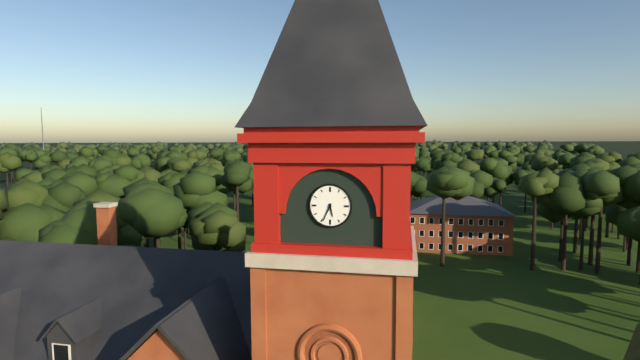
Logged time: 5 h 34 min
